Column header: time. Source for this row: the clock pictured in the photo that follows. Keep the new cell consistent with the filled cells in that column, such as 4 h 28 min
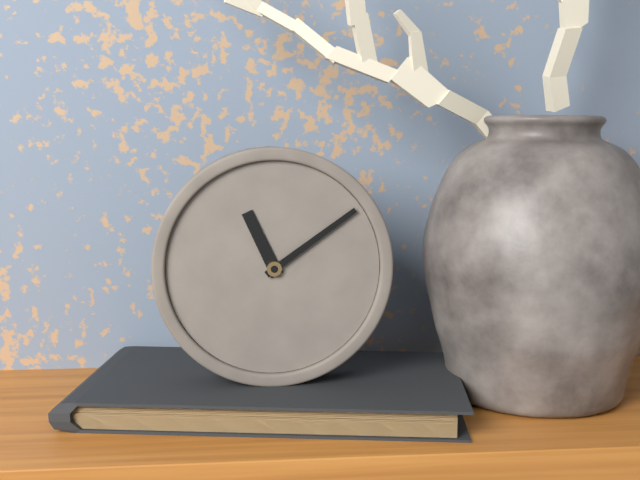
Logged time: 11 h 09 min
